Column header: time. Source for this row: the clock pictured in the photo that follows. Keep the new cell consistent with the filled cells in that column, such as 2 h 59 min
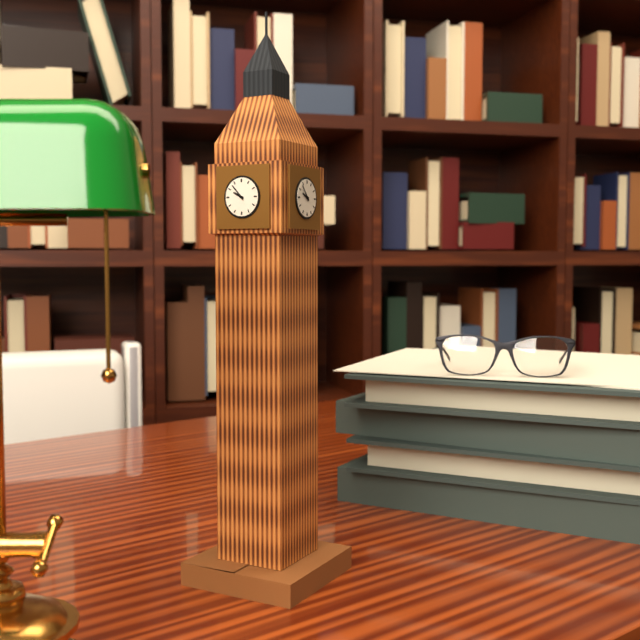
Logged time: 9 h 53 min
